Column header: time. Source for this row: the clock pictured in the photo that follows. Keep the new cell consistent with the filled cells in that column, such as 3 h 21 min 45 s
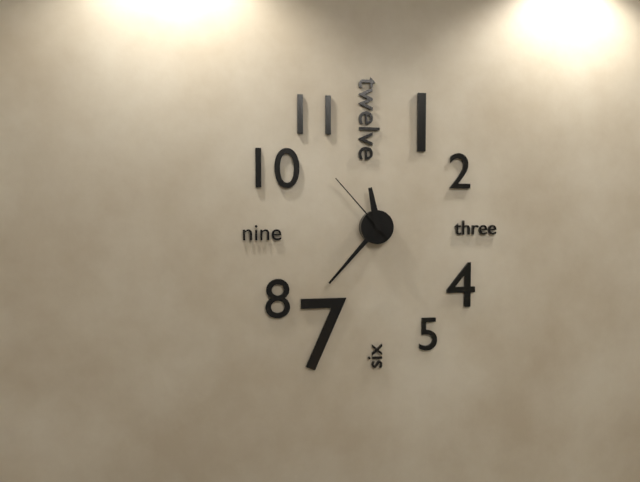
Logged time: 11 h 37 min 53 s
